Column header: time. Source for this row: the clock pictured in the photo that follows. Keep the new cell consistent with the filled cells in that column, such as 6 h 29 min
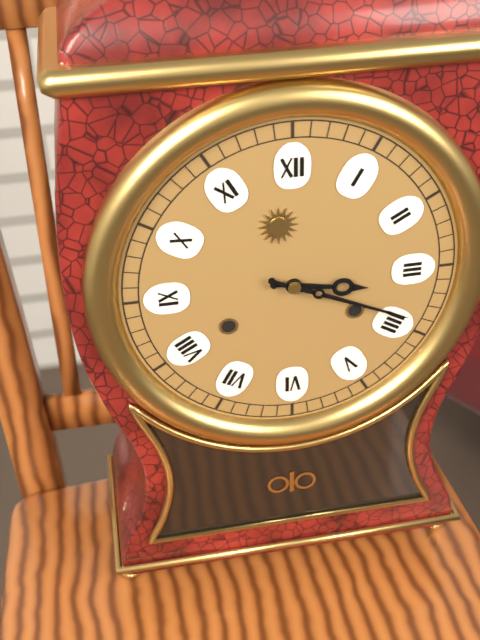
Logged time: 3 h 19 min
